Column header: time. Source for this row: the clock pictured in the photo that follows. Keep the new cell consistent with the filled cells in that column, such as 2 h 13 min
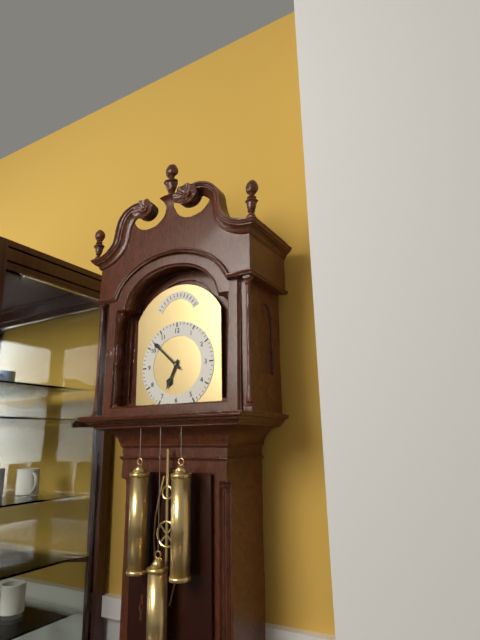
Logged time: 6 h 52 min
